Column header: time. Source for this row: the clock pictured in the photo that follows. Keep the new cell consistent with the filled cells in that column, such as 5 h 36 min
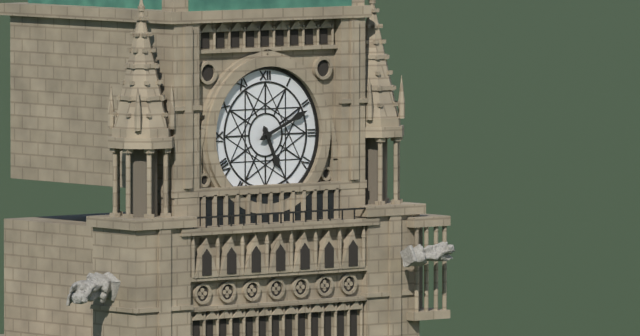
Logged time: 5 h 11 min
